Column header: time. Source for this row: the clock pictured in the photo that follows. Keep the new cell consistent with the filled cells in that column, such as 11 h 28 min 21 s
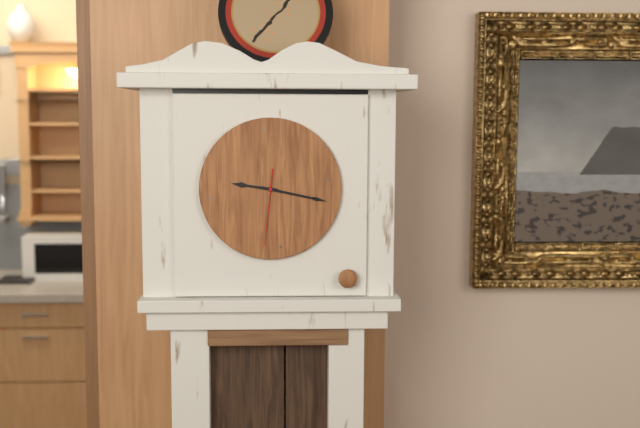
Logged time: 9 h 17 min 31 s
